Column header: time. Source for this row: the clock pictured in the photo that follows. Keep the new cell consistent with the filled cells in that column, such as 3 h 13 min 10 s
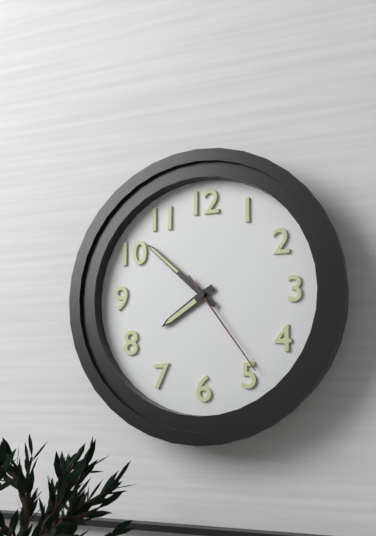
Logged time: 7 h 52 min 24 s
